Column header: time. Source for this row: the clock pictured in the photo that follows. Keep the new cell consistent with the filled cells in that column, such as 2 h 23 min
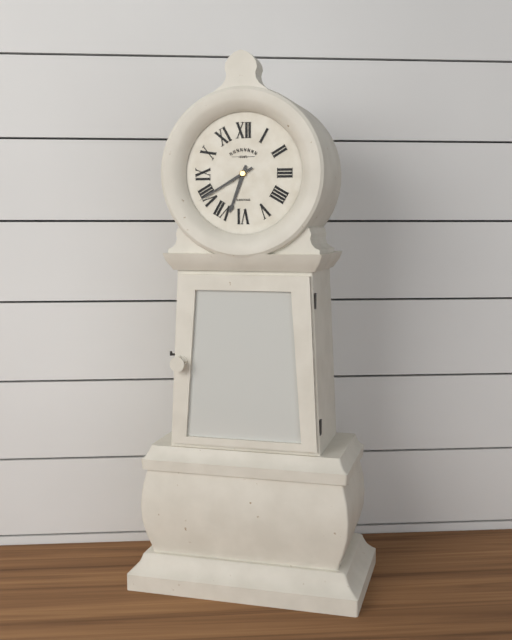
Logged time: 6 h 40 min
